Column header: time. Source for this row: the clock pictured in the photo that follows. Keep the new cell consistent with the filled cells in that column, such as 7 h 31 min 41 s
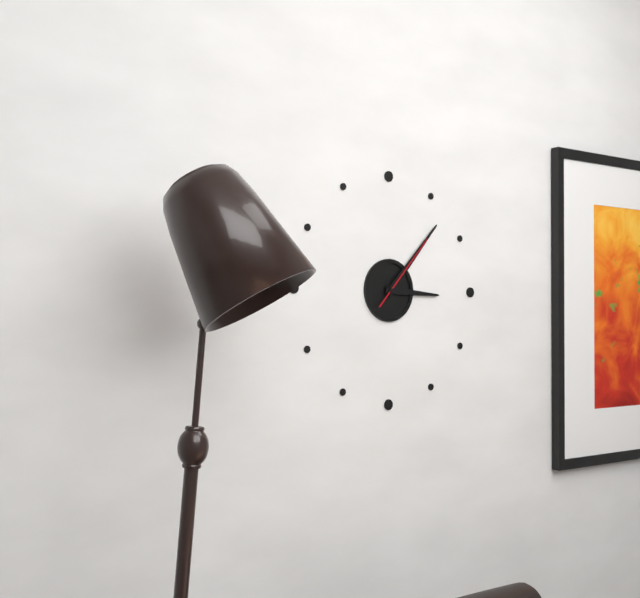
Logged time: 3 h 07 min 07 s
